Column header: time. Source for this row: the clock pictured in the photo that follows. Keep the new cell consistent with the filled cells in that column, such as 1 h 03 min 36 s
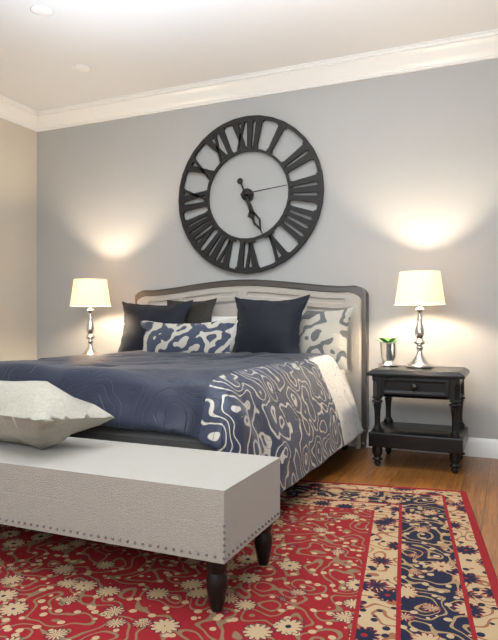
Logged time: 5 h 26 min 14 s
